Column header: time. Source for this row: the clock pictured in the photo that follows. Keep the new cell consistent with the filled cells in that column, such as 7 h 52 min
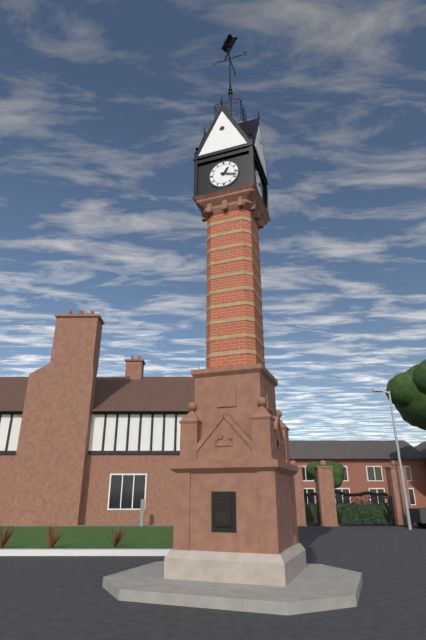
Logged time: 1 h 18 min
